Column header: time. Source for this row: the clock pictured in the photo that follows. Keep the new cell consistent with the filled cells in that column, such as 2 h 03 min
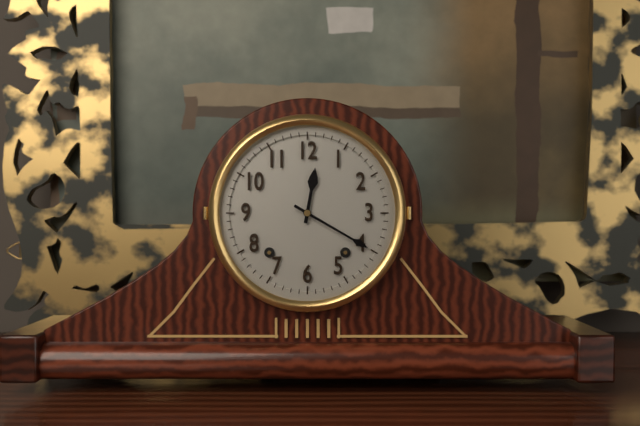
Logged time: 12 h 20 min
